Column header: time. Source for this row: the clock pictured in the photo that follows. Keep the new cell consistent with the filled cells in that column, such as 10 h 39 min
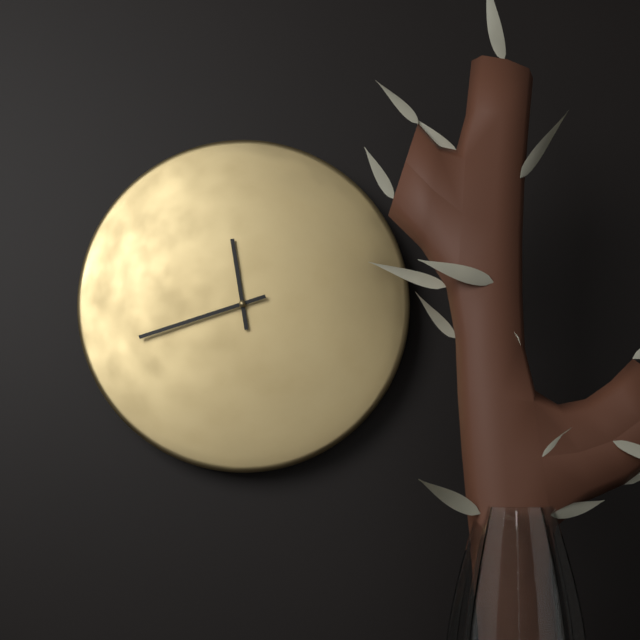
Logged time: 11 h 42 min
